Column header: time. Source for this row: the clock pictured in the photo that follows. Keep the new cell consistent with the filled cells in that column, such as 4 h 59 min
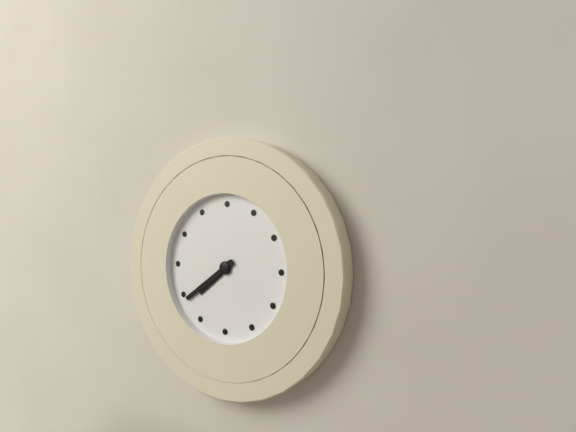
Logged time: 7 h 39 min
